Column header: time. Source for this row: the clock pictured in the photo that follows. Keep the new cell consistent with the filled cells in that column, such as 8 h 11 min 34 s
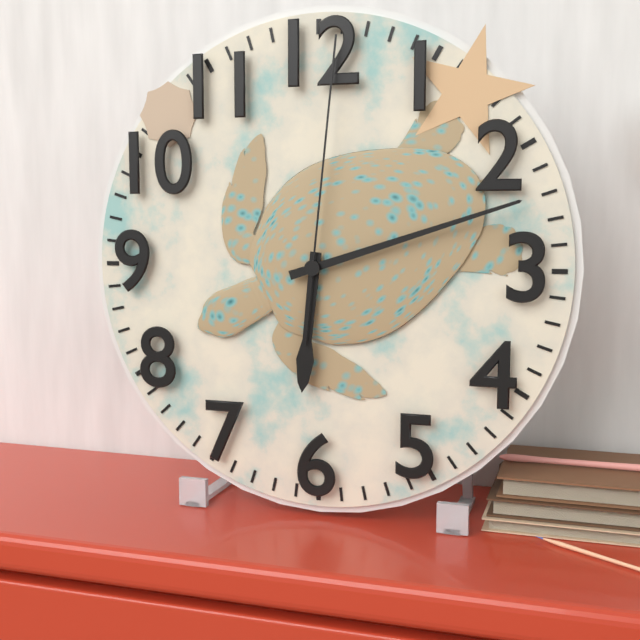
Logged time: 6 h 12 min 01 s
